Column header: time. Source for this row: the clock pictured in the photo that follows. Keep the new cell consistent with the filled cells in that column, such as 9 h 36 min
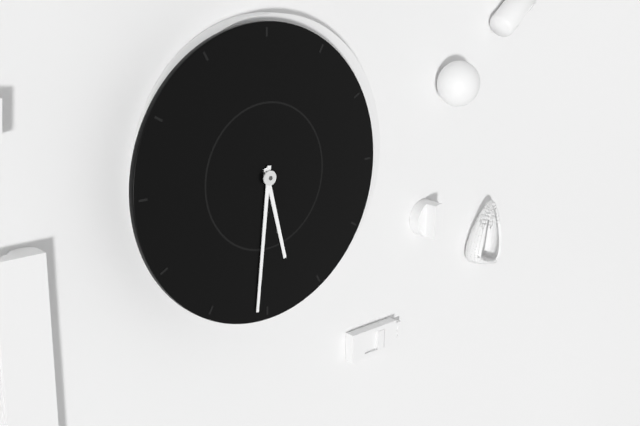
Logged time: 5 h 31 min
